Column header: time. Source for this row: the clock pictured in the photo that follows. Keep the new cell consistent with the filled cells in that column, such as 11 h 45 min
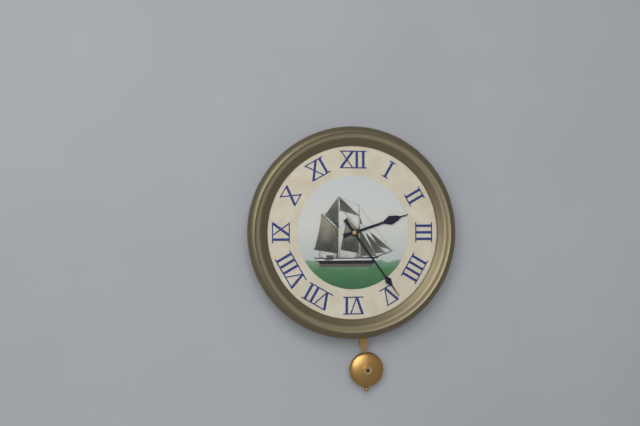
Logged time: 2 h 24 min
